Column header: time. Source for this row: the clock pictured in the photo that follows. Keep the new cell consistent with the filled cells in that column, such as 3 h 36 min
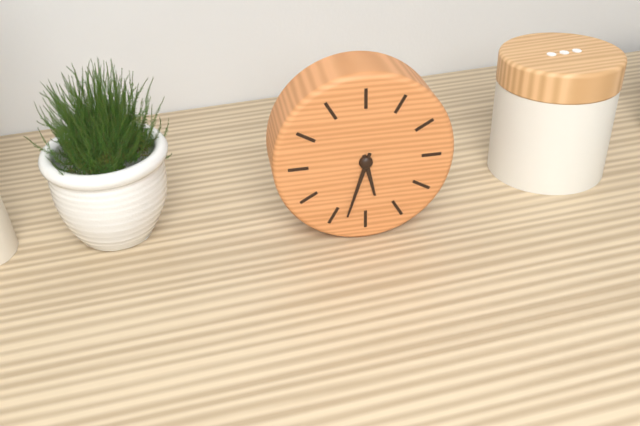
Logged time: 5 h 33 min
